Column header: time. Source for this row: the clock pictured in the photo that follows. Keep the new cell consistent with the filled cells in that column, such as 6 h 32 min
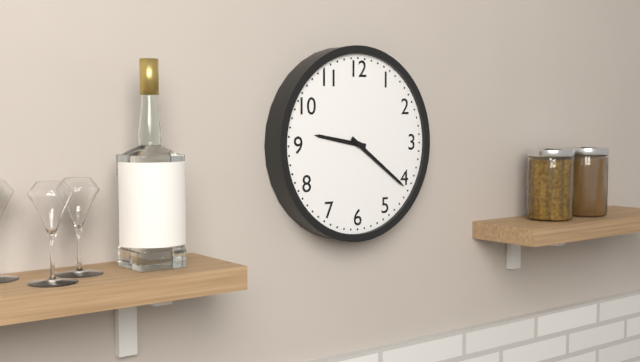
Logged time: 9 h 21 min
